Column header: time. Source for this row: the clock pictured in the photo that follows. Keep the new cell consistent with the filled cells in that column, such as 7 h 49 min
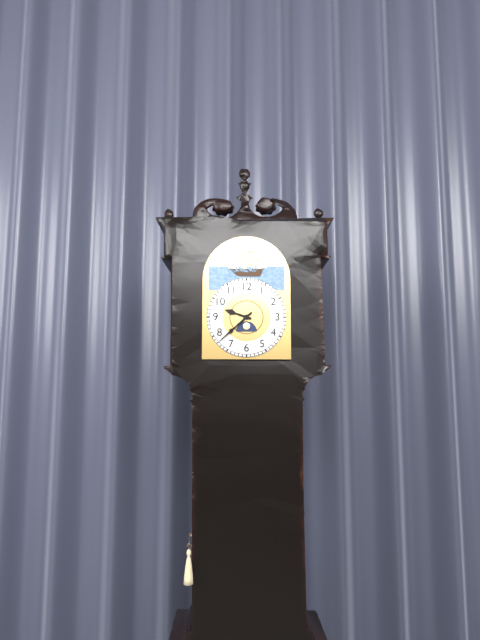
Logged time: 9 h 38 min
